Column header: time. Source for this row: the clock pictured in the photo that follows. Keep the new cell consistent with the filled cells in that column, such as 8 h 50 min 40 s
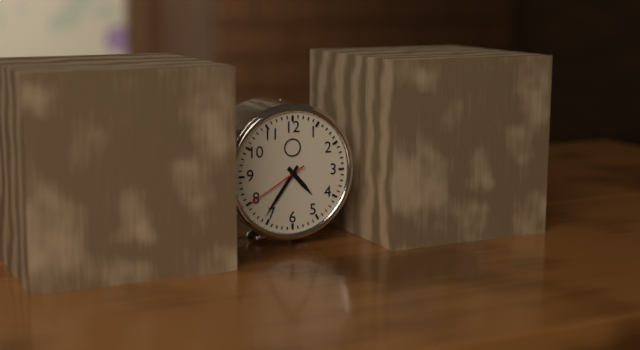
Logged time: 4 h 36 min 40 s
